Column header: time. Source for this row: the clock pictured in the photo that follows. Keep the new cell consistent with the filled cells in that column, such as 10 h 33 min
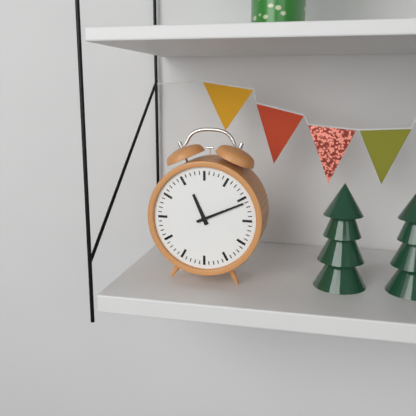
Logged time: 11 h 11 min
